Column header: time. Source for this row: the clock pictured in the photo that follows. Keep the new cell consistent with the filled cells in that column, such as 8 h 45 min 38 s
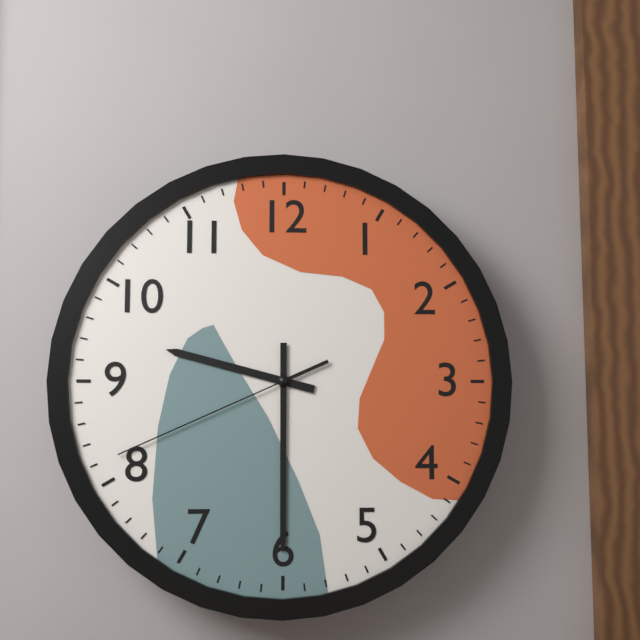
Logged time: 9 h 30 min 41 s
